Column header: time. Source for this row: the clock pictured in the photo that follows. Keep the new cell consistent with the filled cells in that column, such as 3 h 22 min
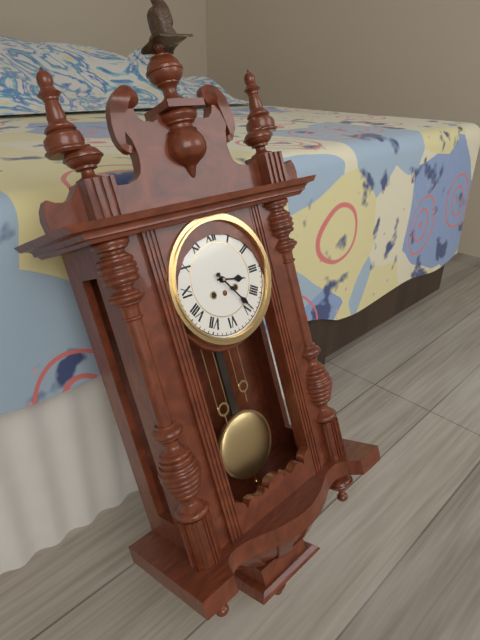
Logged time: 3 h 24 min
